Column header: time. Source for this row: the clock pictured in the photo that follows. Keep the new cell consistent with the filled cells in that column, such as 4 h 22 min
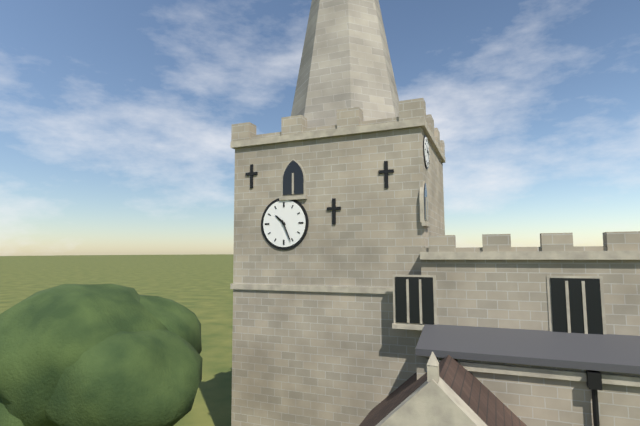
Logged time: 10 h 26 min
